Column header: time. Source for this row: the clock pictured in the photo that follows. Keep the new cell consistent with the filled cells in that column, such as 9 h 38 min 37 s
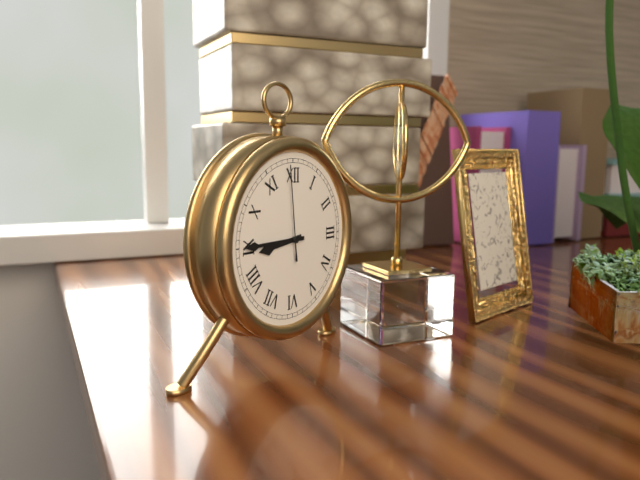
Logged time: 8 h 45 min 59 s
